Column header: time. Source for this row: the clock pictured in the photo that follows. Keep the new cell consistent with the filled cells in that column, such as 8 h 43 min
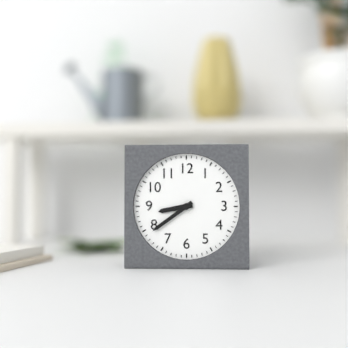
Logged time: 8 h 39 min
